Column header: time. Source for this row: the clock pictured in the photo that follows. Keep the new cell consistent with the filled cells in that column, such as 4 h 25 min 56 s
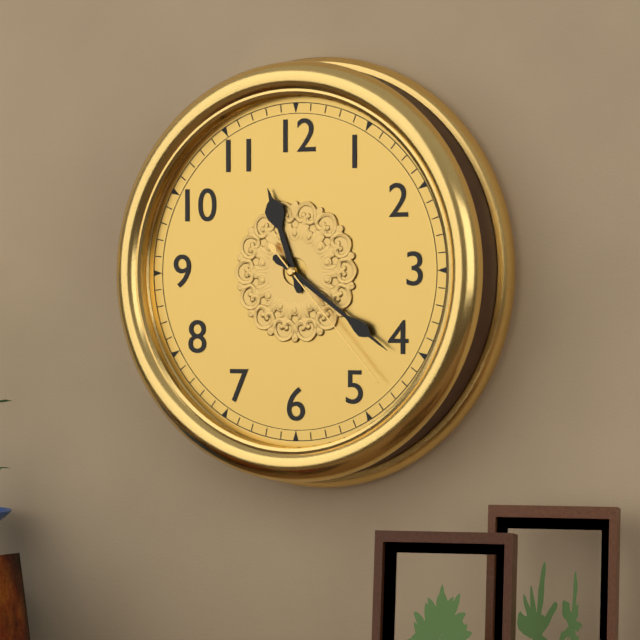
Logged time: 11 h 21 min 23 s
